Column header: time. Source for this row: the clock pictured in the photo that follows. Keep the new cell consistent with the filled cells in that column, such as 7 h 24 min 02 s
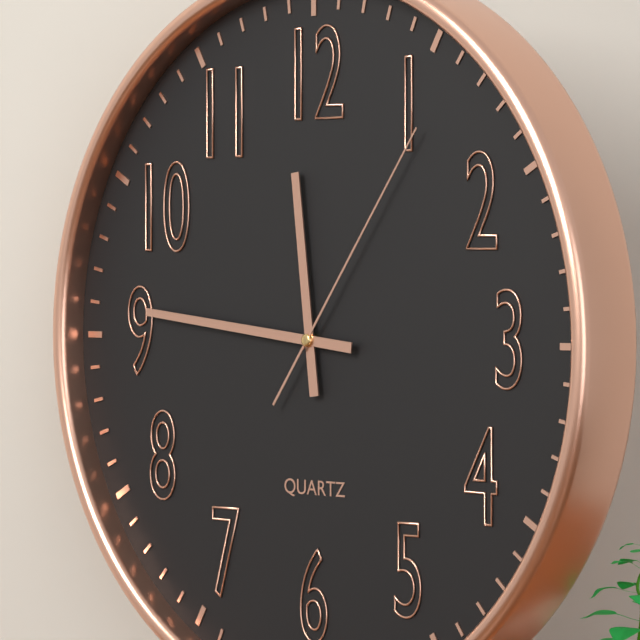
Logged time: 11 h 46 min 06 s
